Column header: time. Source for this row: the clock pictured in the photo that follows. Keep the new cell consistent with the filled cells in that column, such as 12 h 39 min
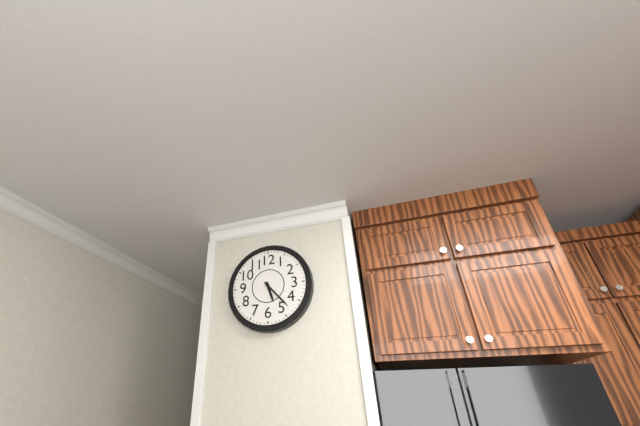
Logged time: 5 h 23 min
